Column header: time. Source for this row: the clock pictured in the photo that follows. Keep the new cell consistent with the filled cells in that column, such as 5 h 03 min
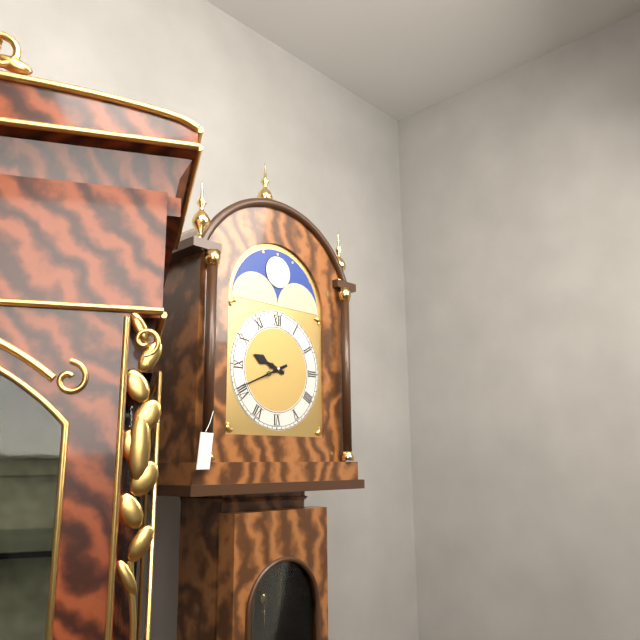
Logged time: 9 h 41 min
